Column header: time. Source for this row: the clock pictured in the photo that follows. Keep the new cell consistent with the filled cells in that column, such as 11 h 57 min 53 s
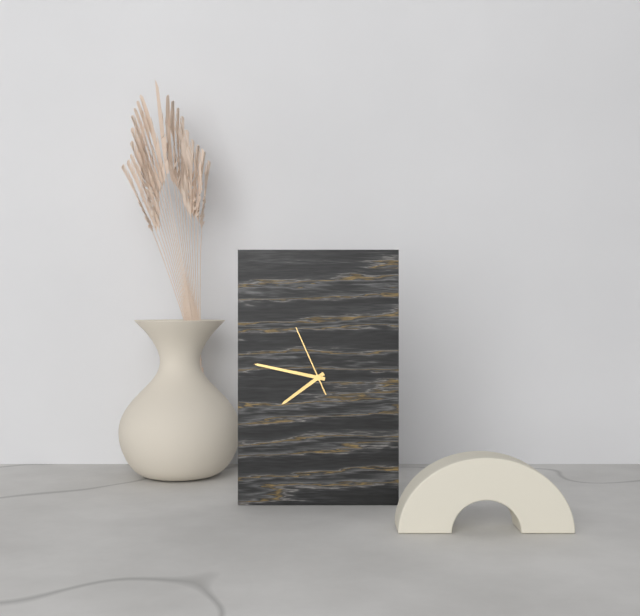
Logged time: 7 h 47 min 56 s
